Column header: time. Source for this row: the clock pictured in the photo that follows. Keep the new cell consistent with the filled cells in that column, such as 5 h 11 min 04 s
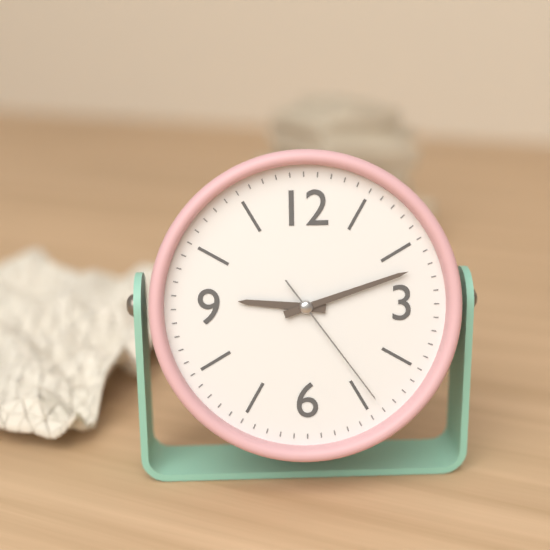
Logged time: 9 h 12 min 24 s
